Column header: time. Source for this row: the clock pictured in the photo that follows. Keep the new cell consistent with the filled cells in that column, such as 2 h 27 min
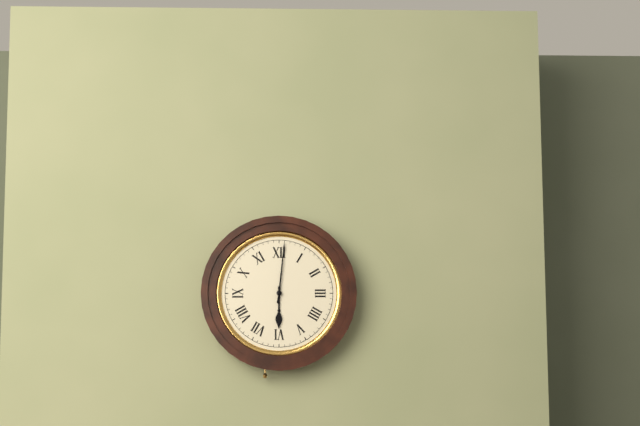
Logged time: 6 h 01 min
